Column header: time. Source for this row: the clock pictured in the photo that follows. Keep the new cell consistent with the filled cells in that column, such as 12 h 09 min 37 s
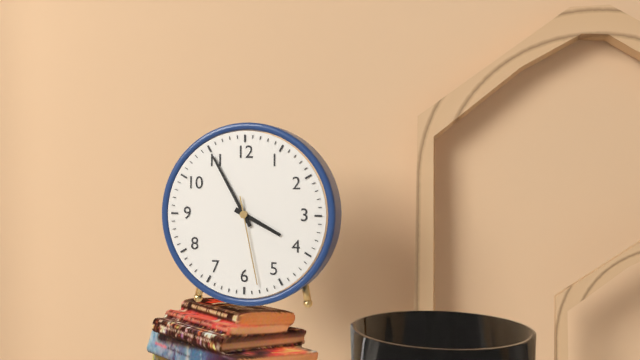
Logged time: 3 h 55 min 28 s
